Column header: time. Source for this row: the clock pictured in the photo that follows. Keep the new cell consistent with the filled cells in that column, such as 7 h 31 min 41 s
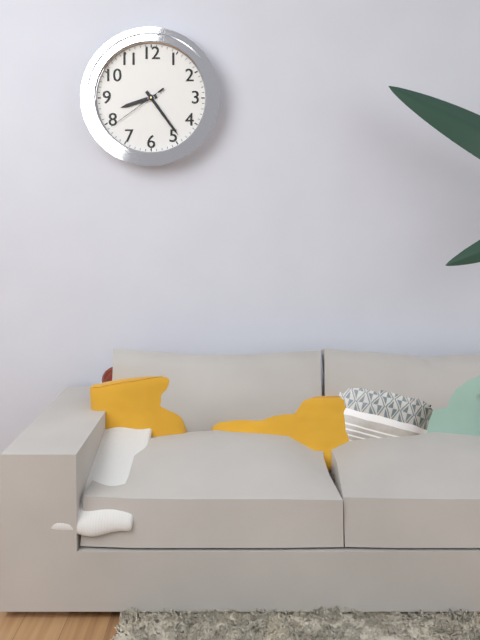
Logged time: 8 h 24 min 39 s
